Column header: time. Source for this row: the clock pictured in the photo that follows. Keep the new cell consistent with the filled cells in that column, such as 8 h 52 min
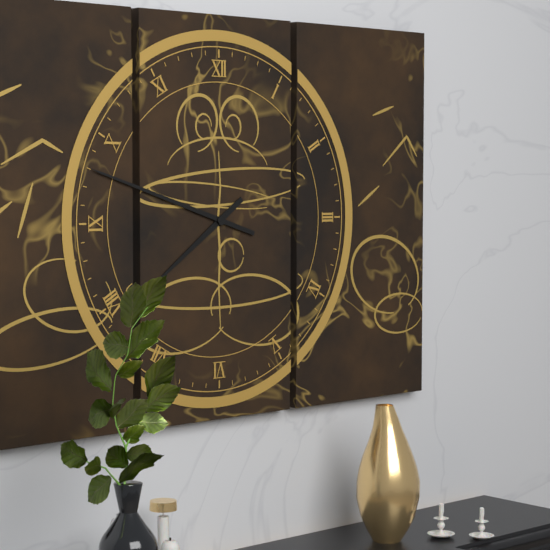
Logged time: 7 h 48 min
